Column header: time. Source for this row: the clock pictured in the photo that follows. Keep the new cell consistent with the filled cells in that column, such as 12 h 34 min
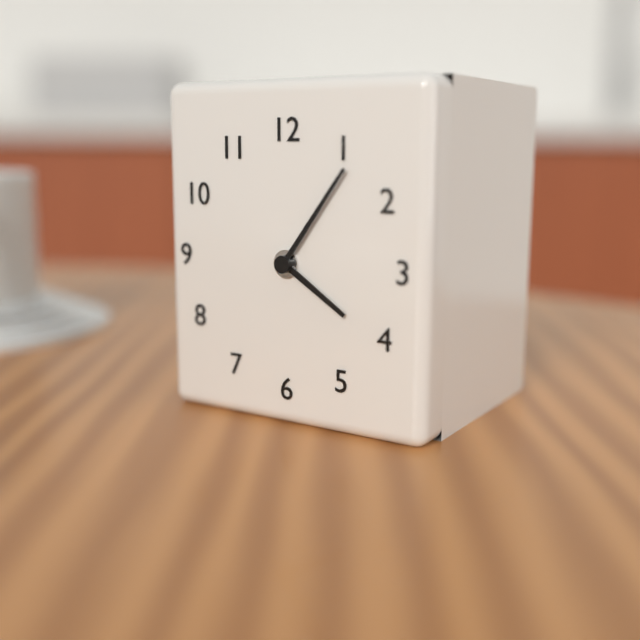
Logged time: 4 h 06 min
